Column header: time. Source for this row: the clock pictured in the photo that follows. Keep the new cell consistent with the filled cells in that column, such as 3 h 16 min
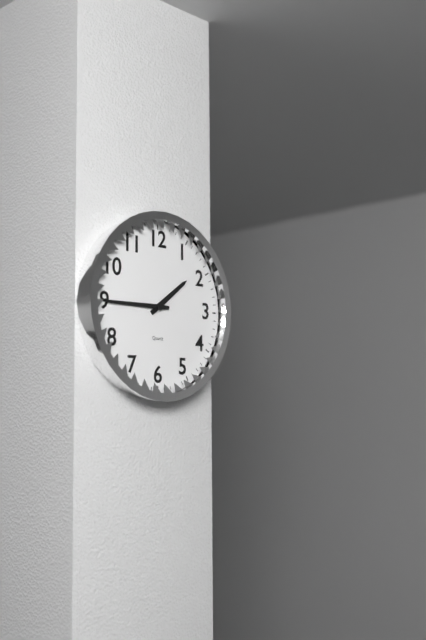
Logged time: 1 h 45 min
